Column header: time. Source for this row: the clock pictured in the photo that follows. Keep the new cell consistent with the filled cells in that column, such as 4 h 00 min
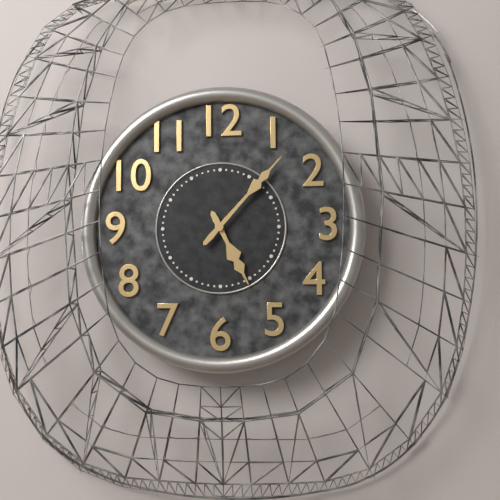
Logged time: 5 h 07 min
